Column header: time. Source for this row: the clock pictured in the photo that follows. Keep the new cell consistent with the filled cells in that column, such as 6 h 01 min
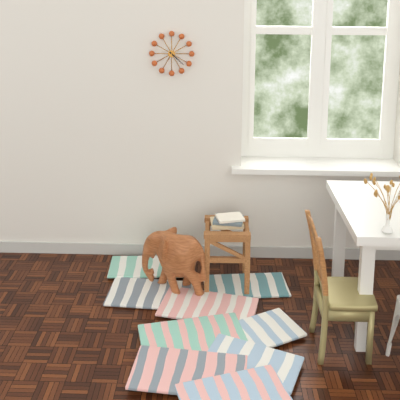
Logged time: 4 h 22 min
